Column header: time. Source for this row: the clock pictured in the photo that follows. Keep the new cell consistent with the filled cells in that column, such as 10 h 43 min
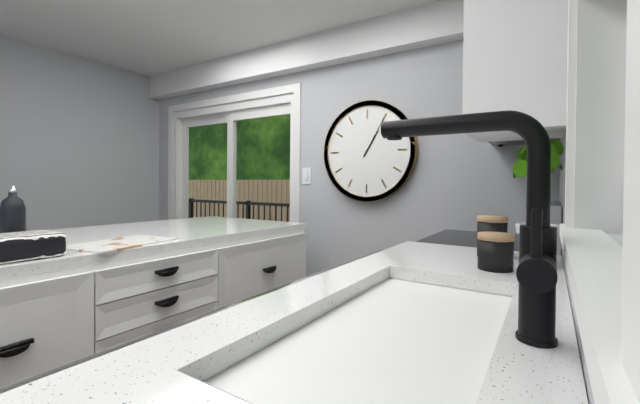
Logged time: 1 h 05 min
